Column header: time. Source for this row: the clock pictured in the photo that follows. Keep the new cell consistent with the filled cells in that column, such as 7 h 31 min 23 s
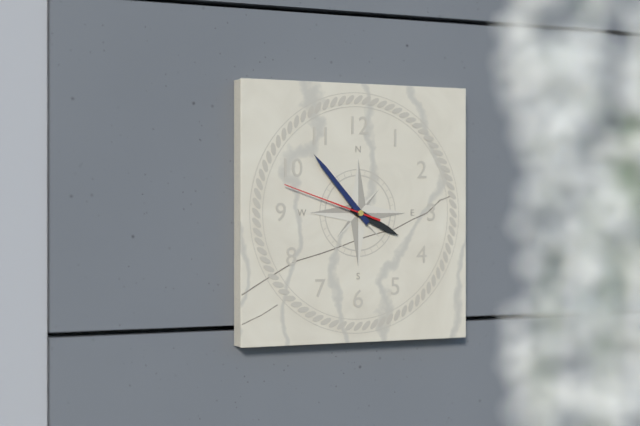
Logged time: 3 h 53 min 48 s
